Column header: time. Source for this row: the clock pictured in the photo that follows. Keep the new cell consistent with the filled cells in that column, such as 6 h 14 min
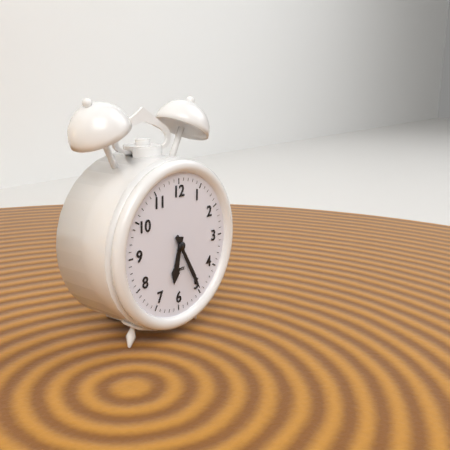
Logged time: 6 h 25 min
